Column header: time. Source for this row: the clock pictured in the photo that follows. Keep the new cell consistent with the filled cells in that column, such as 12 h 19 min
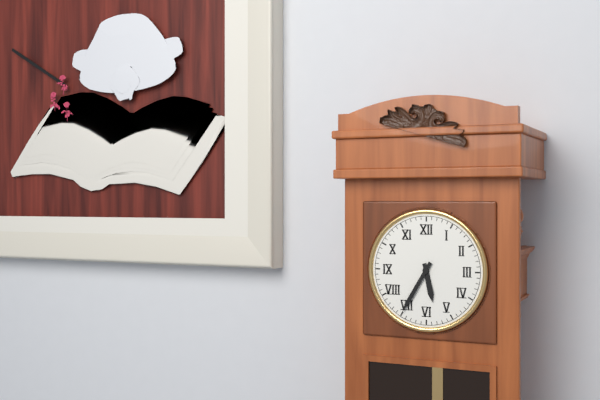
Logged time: 5 h 35 min
